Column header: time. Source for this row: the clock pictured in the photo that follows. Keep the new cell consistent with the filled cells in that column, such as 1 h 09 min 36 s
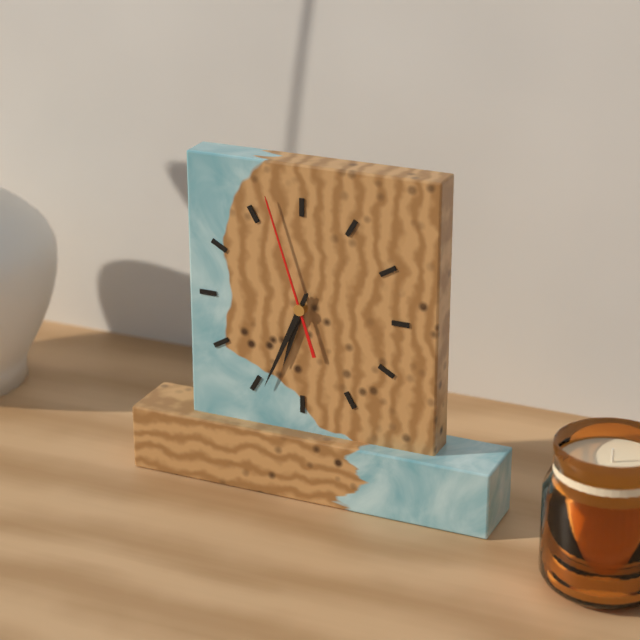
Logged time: 6 h 34 min 57 s
